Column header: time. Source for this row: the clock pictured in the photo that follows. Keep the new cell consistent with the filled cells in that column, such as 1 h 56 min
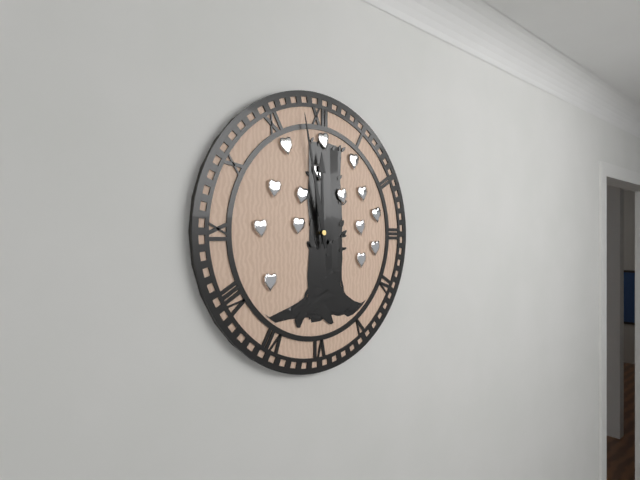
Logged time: 11 h 58 min
